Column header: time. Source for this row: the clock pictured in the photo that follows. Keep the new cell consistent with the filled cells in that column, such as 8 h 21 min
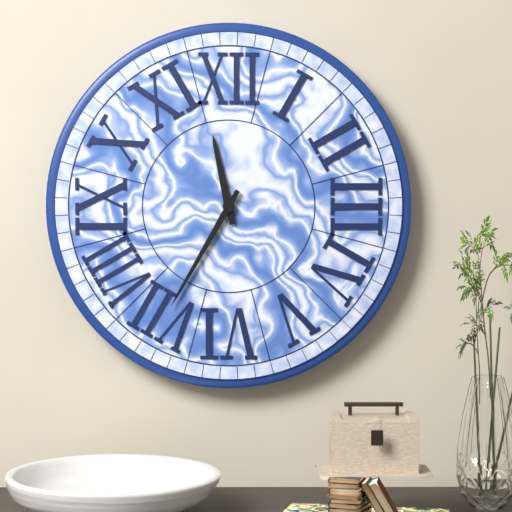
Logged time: 11 h 35 min
